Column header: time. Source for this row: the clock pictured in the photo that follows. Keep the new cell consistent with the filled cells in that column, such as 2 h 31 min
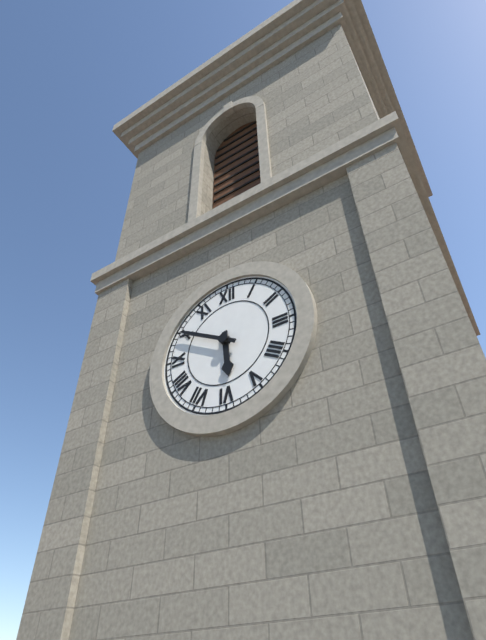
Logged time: 5 h 50 min
